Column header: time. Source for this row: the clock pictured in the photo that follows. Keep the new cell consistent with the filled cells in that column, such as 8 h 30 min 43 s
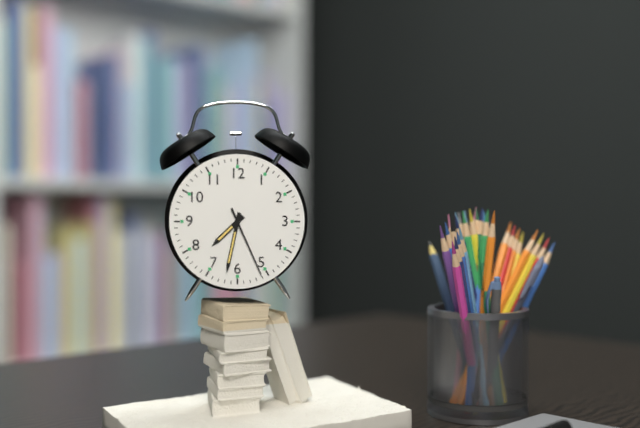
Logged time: 7 h 32 min 26 s
